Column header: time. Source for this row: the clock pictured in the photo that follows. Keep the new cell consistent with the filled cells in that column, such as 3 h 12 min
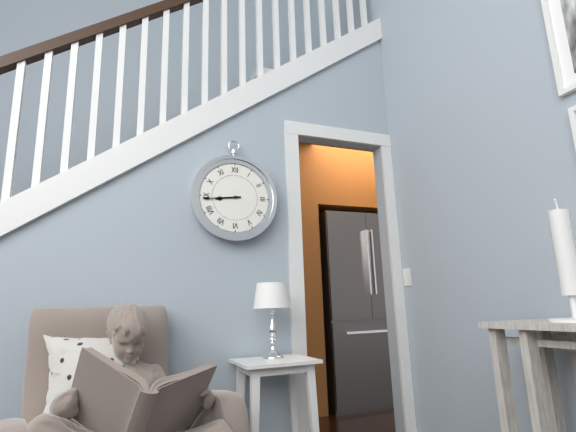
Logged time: 8 h 44 min
